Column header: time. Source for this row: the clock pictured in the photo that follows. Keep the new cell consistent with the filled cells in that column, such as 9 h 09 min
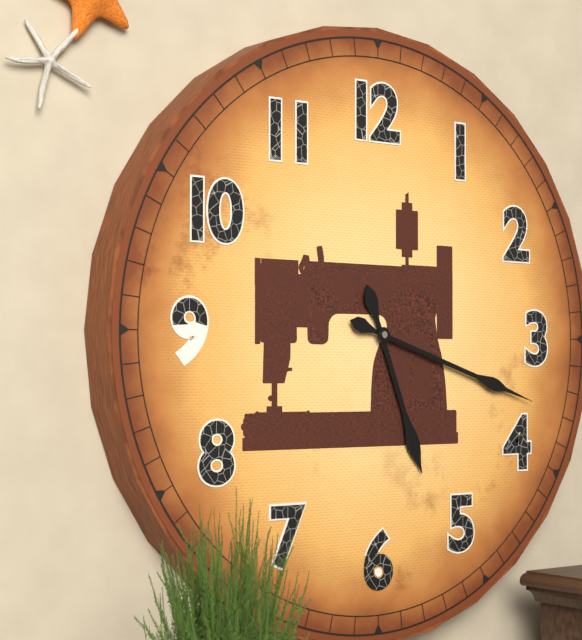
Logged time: 5 h 18 min
